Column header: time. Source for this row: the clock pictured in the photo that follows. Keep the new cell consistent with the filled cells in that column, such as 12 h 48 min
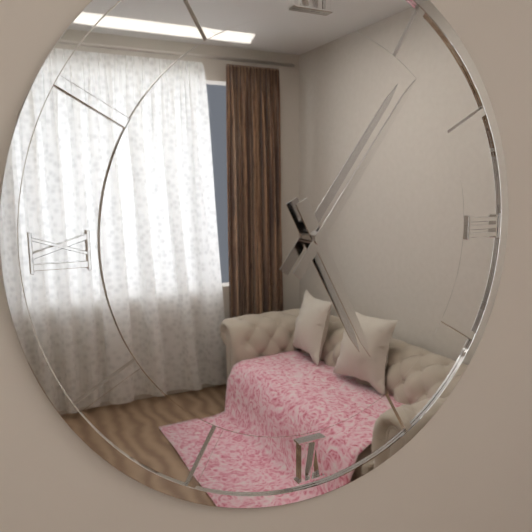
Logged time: 5 h 06 min
